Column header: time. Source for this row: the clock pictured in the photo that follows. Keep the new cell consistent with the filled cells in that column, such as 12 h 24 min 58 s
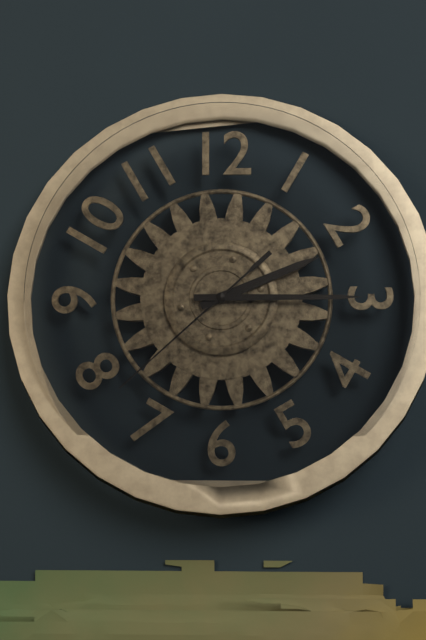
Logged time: 2 h 15 min 38 s
